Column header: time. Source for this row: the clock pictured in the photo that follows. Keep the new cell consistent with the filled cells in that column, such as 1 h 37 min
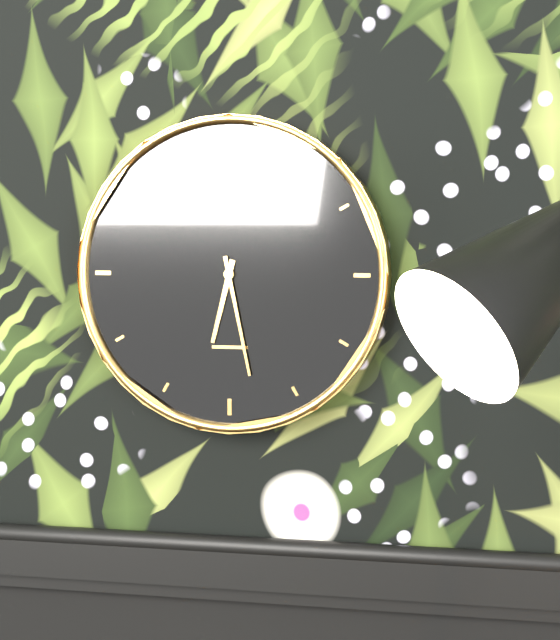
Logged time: 6 h 28 min
